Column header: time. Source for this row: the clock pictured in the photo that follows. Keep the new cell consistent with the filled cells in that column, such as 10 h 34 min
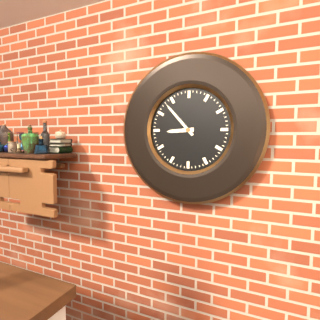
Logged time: 8 h 53 min
